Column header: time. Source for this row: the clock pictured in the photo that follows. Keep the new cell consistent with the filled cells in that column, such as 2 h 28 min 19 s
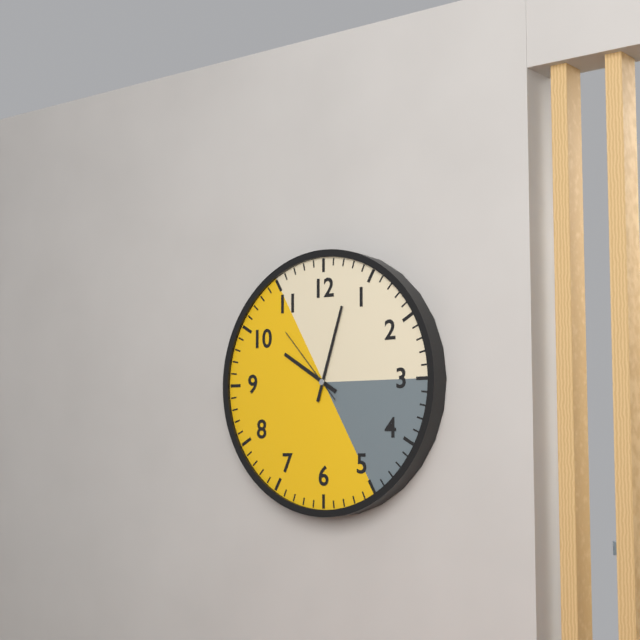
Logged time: 10 h 03 min 53 s
